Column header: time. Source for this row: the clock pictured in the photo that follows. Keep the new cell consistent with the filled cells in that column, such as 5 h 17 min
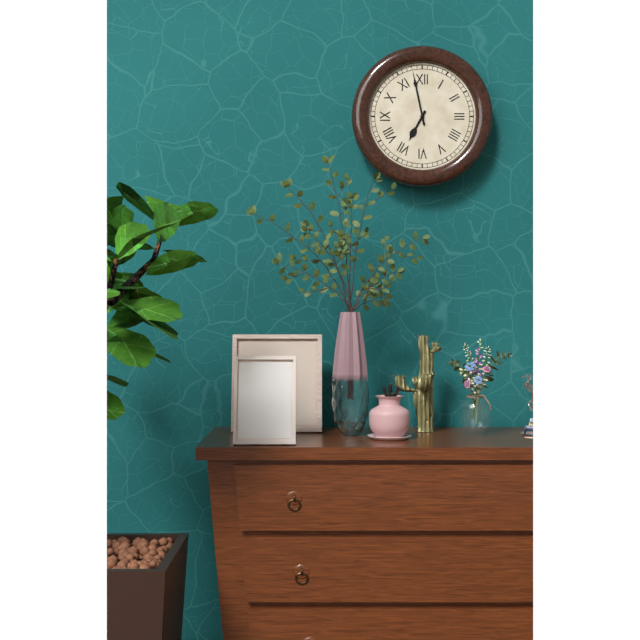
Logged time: 6 h 58 min
